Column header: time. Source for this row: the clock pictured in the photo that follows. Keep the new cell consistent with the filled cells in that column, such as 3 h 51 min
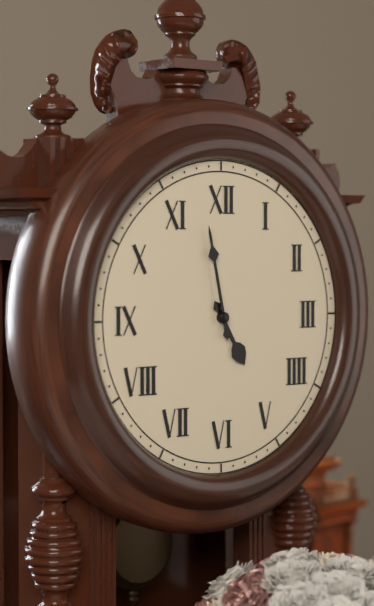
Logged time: 4 h 58 min
